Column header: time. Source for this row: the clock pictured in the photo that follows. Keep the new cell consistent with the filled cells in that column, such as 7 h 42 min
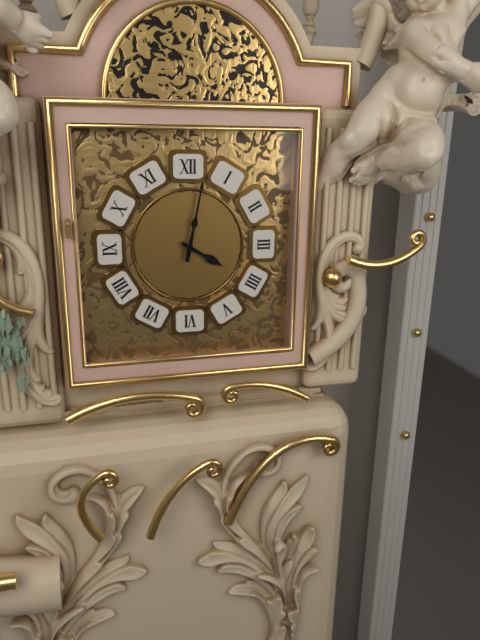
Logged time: 4 h 02 min
